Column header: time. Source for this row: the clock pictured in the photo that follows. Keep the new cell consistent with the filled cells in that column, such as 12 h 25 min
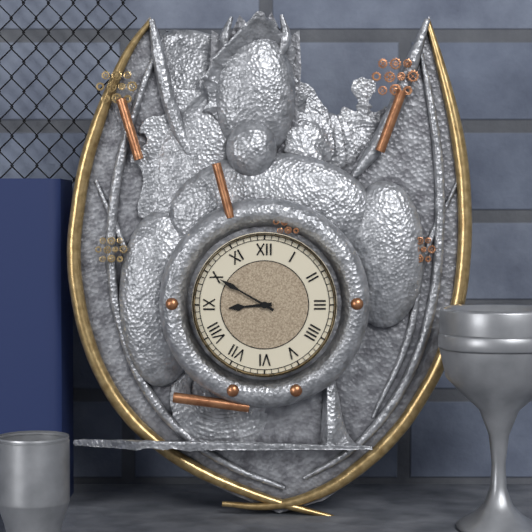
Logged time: 8 h 50 min
